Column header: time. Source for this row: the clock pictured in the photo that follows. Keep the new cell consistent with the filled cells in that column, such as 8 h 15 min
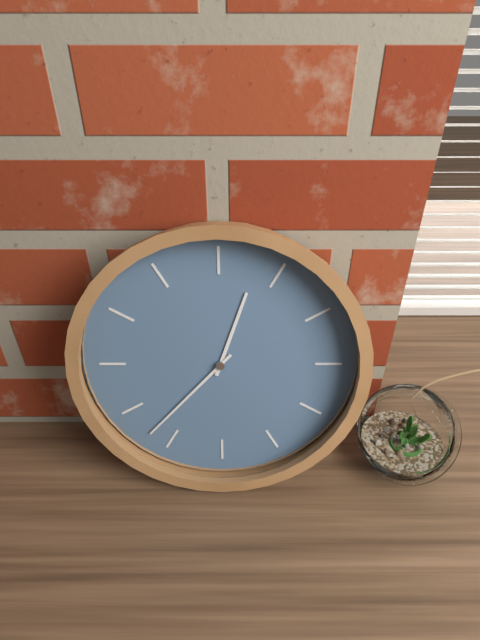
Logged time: 12 h 37 min
